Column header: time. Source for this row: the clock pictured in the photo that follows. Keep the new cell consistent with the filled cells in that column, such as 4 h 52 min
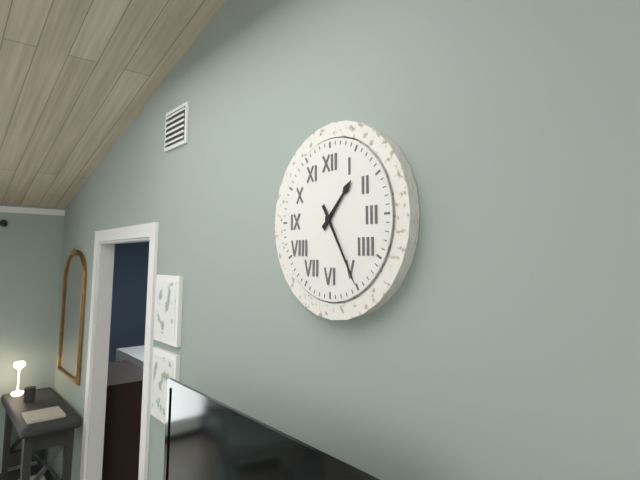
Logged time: 1 h 25 min
